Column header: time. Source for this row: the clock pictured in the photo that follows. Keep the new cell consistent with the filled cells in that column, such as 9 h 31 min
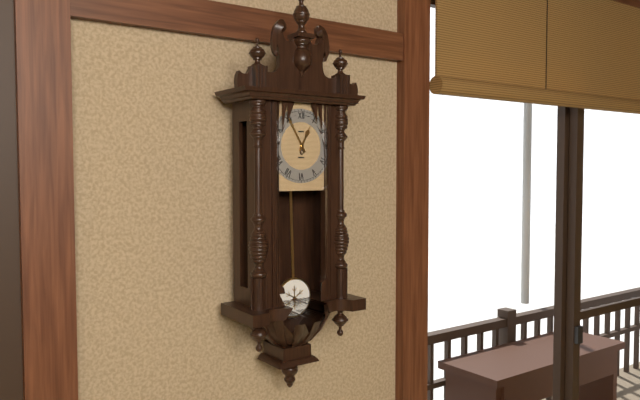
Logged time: 12 h 55 min
